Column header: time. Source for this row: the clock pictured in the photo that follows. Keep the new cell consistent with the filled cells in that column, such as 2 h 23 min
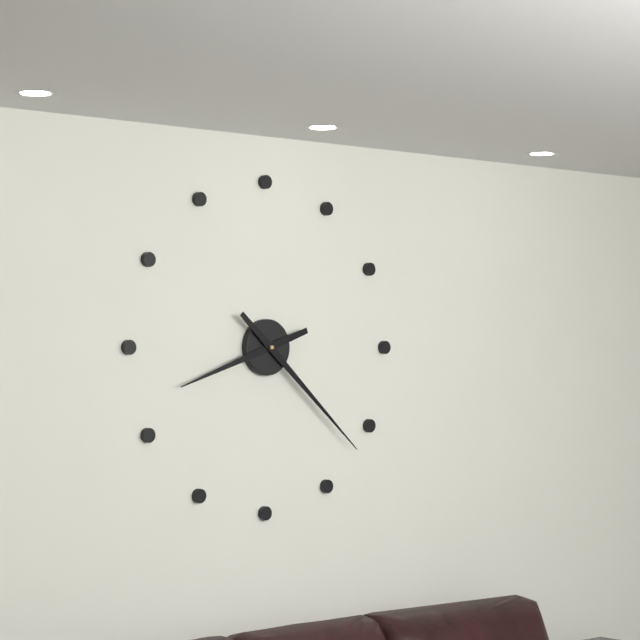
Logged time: 8 h 22 min
